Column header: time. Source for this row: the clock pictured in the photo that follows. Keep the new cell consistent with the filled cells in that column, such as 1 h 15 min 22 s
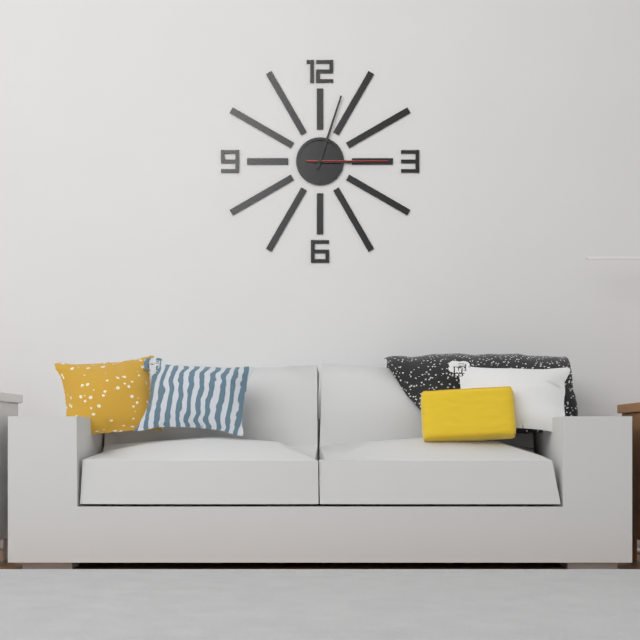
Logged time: 3 h 03 min 15 s
